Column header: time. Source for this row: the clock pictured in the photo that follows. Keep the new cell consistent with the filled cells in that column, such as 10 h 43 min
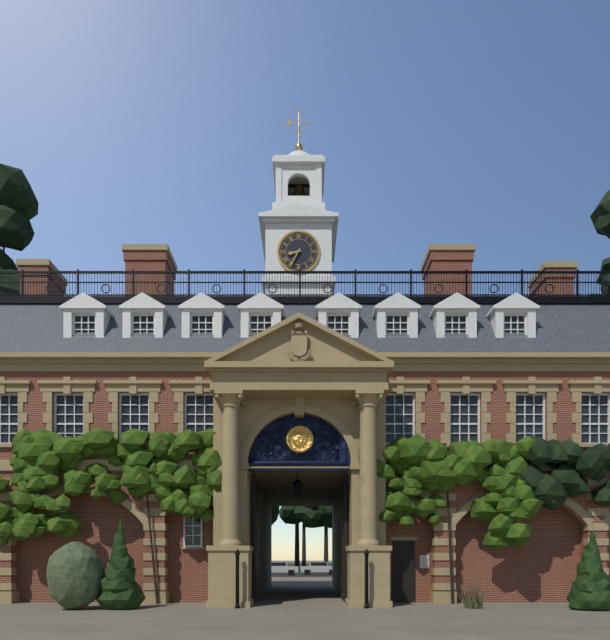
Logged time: 8 h 35 min
